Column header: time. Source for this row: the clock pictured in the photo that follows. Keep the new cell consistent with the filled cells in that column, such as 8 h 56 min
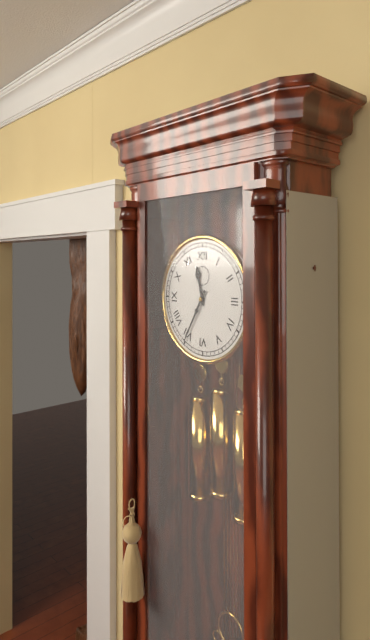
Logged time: 11 h 35 min
